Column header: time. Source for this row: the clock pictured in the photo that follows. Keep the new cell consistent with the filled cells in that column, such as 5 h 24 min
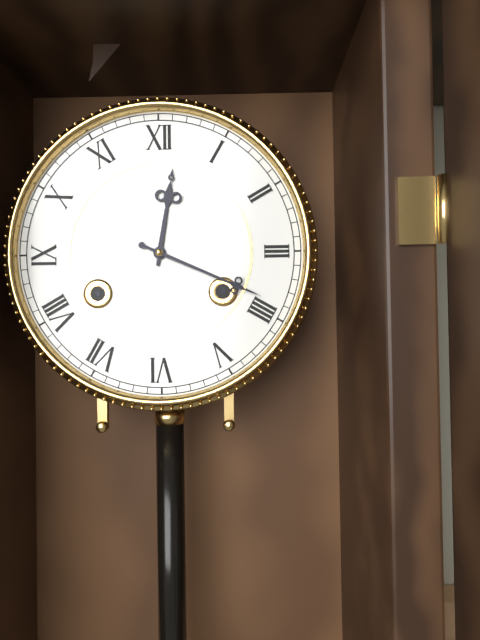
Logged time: 12 h 19 min
